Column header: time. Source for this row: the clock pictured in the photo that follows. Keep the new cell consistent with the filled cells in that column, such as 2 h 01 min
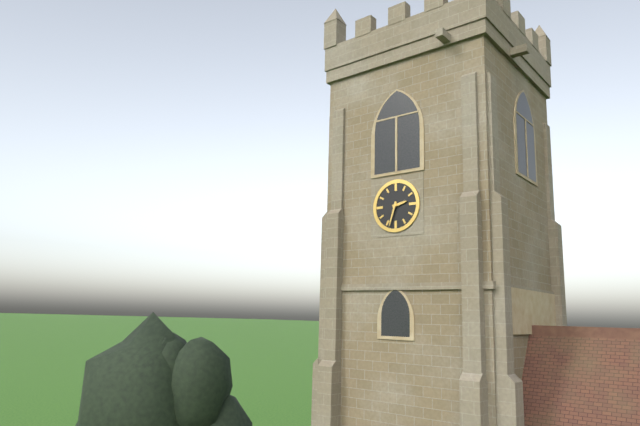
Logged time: 2 h 33 min
